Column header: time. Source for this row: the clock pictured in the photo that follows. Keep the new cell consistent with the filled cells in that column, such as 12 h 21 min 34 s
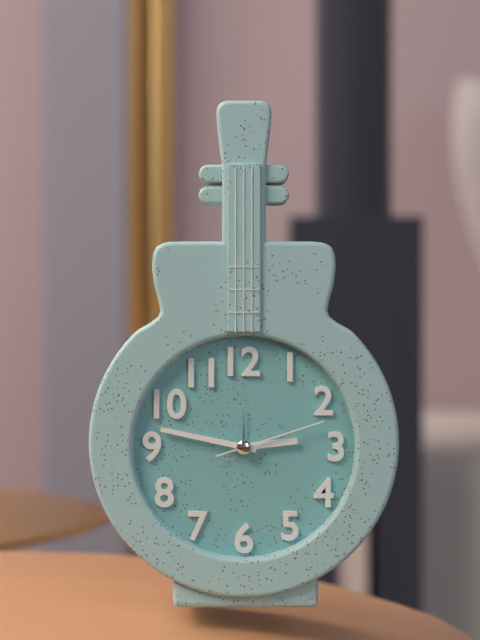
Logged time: 2 h 47 min 12 s
